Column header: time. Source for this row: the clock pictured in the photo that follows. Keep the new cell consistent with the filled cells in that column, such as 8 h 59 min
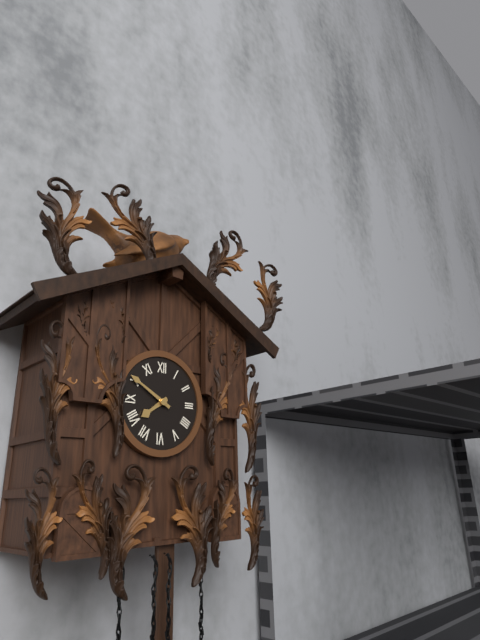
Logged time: 7 h 50 min
